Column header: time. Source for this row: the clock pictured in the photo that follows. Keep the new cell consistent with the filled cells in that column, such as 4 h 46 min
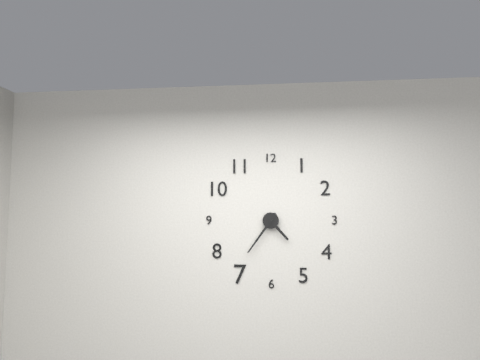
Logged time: 4 h 36 min
